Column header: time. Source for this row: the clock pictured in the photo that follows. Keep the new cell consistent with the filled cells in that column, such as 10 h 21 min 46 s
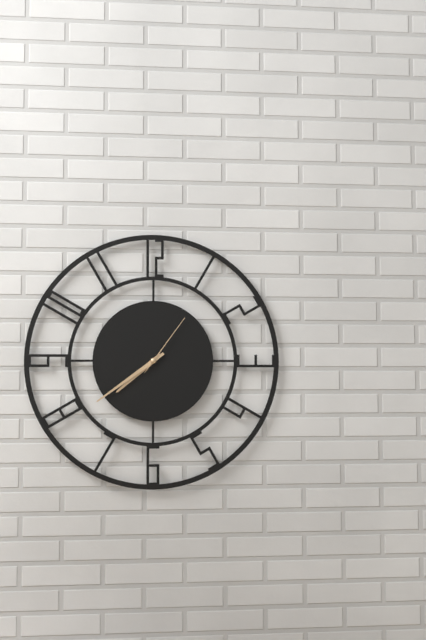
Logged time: 7 h 39 min 06 s
